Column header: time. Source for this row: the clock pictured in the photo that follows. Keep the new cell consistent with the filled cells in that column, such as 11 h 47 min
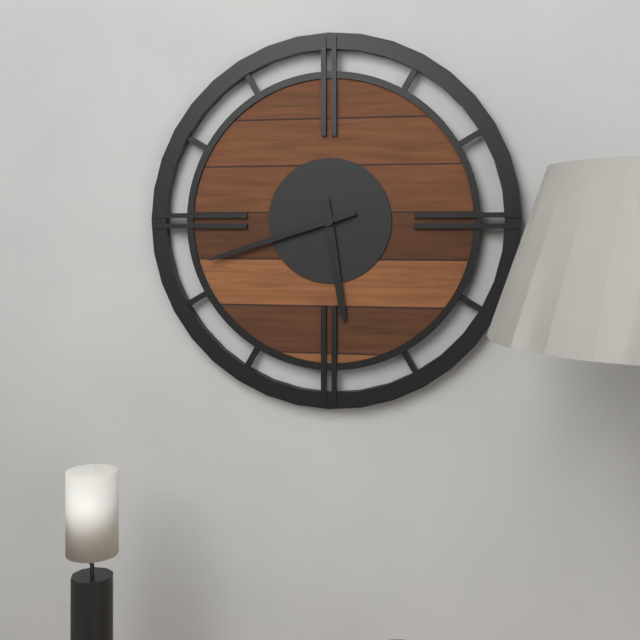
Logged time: 5 h 42 min
